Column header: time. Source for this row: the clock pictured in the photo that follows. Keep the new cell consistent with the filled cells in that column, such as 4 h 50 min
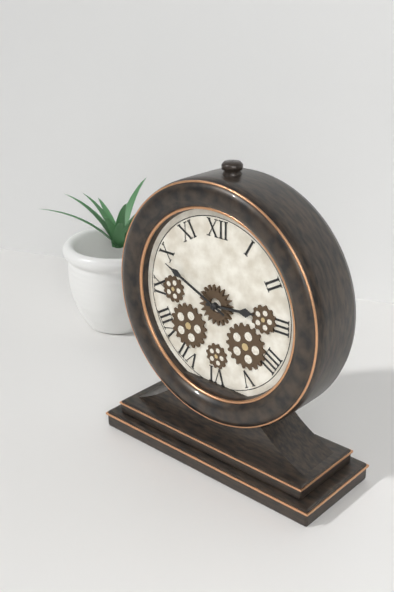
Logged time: 2 h 49 min
